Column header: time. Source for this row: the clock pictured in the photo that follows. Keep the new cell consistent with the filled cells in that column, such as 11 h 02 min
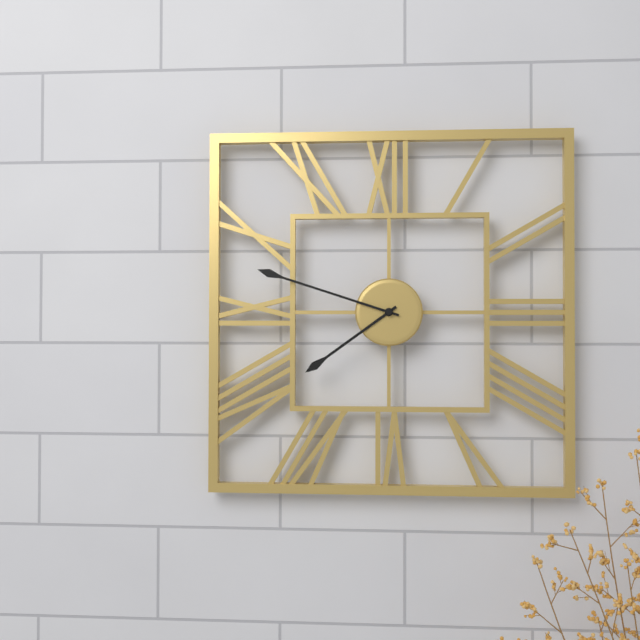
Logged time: 7 h 48 min
